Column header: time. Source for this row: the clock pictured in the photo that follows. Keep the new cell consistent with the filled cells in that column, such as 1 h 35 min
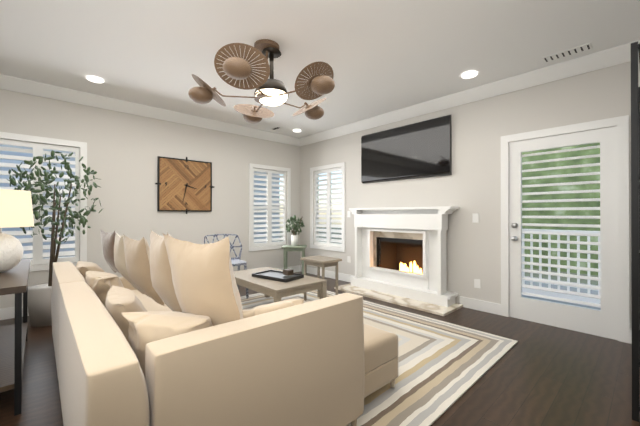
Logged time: 3 h 32 min
